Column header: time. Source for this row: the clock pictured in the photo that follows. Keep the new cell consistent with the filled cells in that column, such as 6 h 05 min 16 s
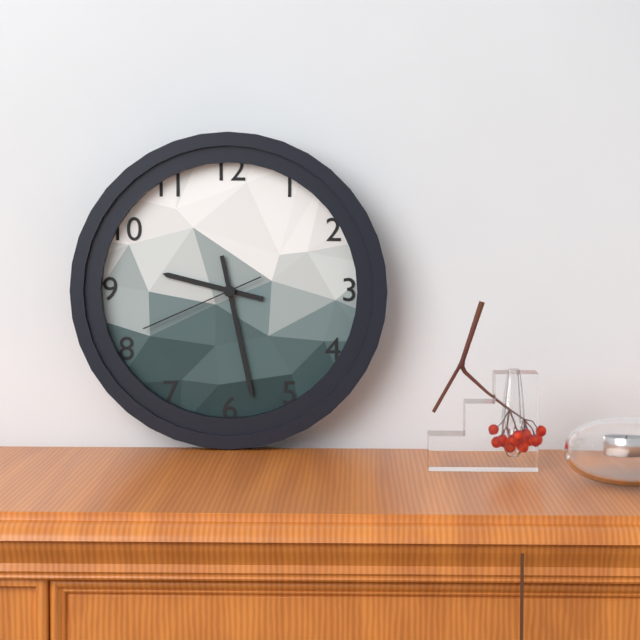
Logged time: 9 h 28 min 41 s
